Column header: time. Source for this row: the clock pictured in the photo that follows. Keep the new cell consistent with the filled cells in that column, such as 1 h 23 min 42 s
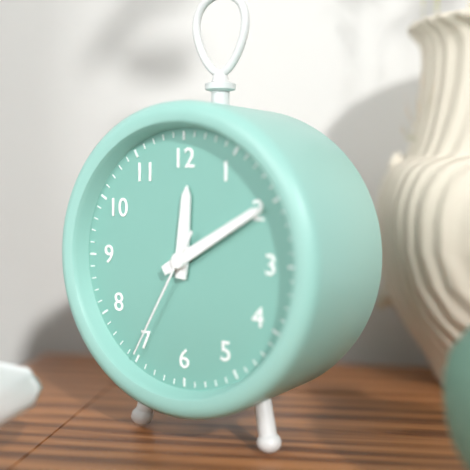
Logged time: 12 h 10 min 35 s
